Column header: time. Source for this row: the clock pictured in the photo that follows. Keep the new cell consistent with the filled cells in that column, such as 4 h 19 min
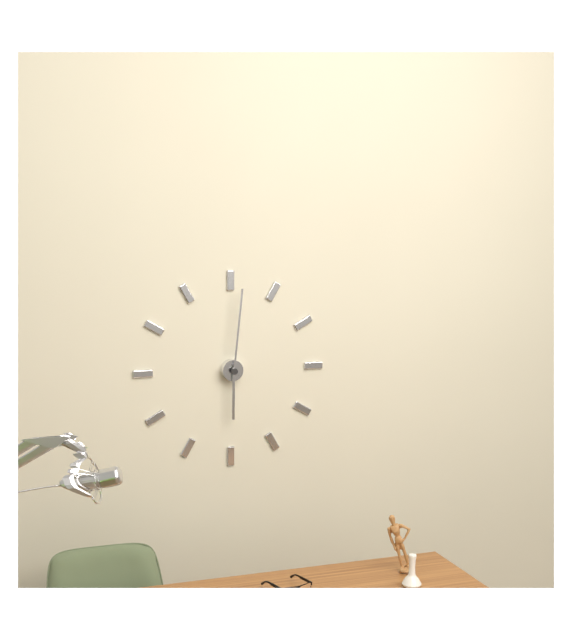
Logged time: 6 h 01 min
